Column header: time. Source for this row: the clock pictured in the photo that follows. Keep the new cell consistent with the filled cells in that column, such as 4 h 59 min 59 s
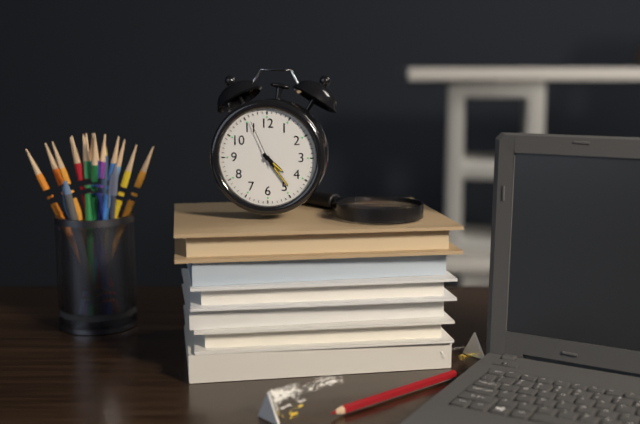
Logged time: 4 h 24 min 56 s
